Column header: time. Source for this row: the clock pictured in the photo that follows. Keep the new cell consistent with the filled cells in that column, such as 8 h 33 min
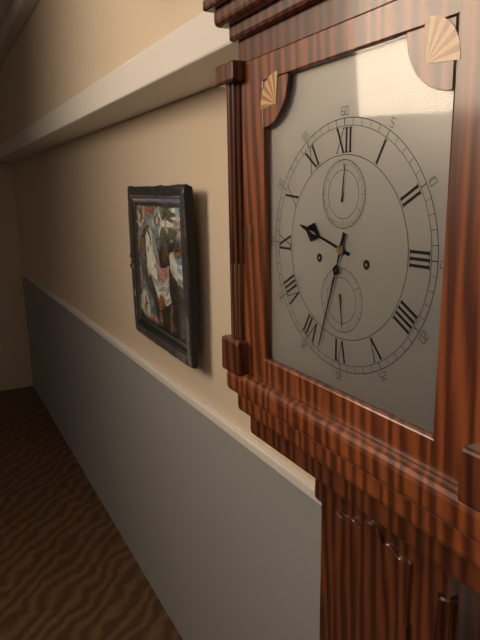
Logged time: 9 h 33 min
